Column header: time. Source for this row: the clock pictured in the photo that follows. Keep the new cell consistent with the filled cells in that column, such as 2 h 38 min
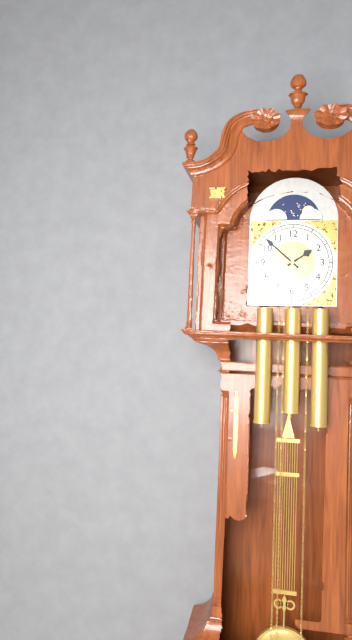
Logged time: 1 h 52 min
